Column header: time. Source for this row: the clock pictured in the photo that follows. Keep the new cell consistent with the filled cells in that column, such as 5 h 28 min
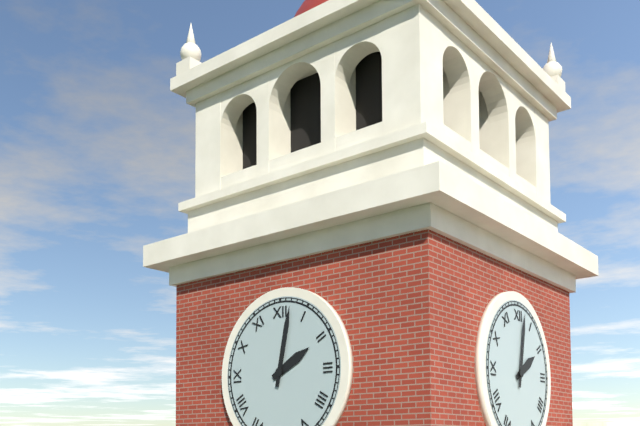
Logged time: 2 h 02 min
